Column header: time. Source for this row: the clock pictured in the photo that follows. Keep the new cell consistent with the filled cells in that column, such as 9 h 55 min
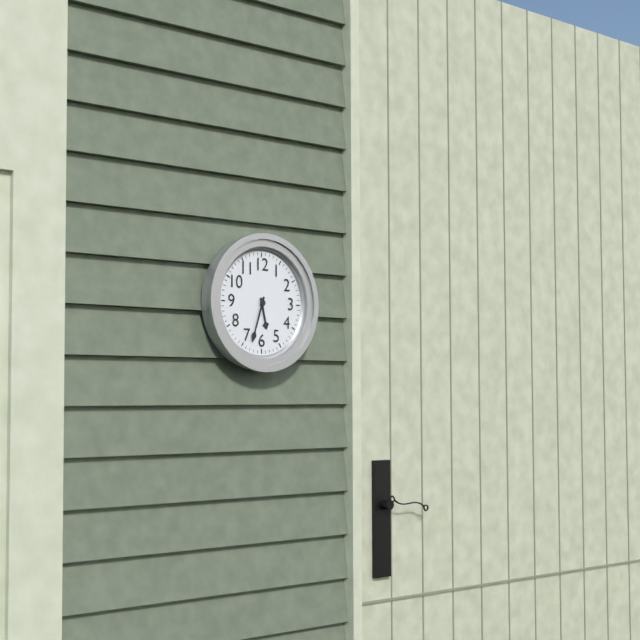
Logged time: 5 h 33 min
